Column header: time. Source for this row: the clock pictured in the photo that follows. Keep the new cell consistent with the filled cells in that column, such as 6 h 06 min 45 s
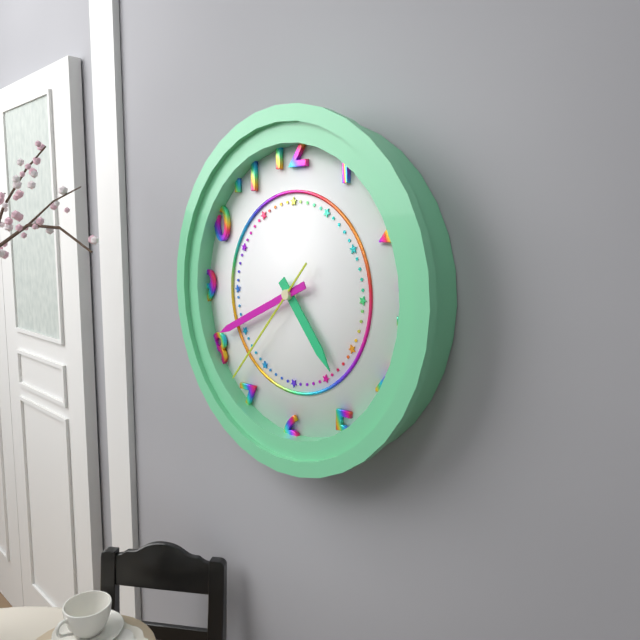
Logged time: 4 h 41 min 37 s
